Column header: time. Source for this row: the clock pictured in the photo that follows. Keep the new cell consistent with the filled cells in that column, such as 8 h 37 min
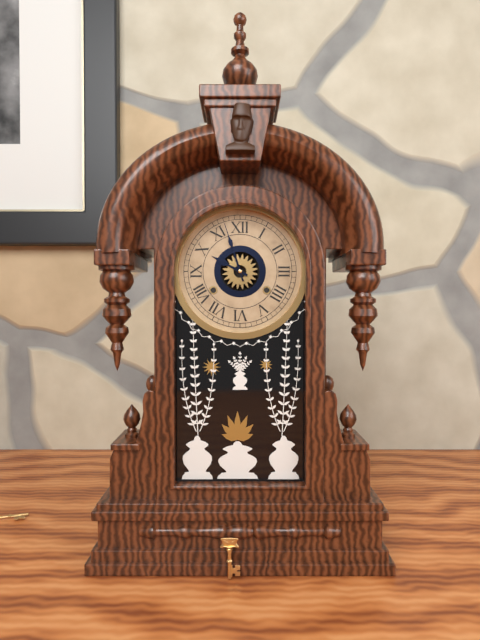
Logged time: 9 h 57 min
